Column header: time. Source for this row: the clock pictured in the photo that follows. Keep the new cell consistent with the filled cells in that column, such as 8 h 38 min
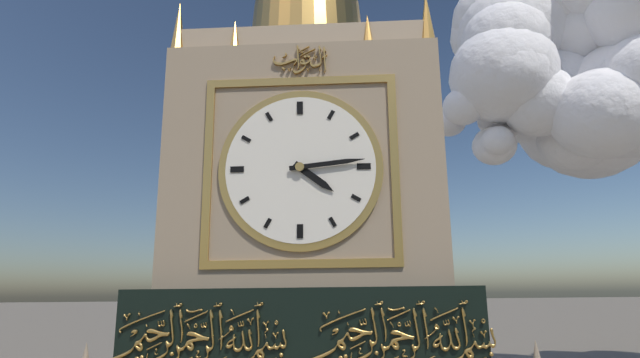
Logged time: 4 h 14 min
